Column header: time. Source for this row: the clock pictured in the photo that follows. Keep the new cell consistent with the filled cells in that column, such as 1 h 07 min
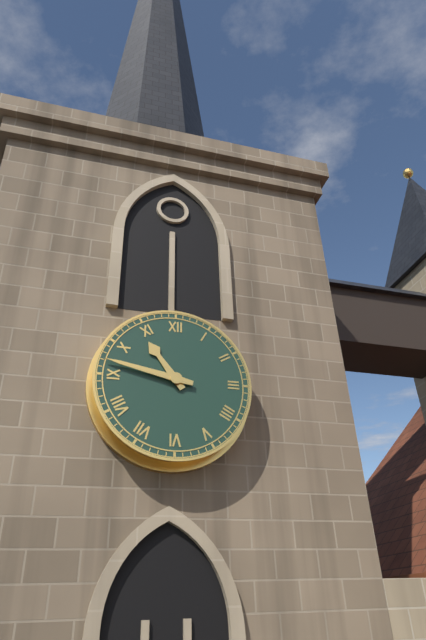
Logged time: 10 h 47 min
